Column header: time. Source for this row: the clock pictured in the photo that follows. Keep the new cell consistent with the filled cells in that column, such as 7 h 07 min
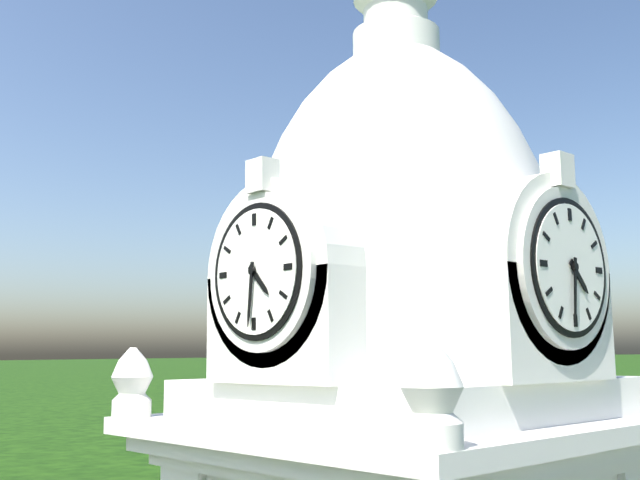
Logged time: 4 h 31 min
